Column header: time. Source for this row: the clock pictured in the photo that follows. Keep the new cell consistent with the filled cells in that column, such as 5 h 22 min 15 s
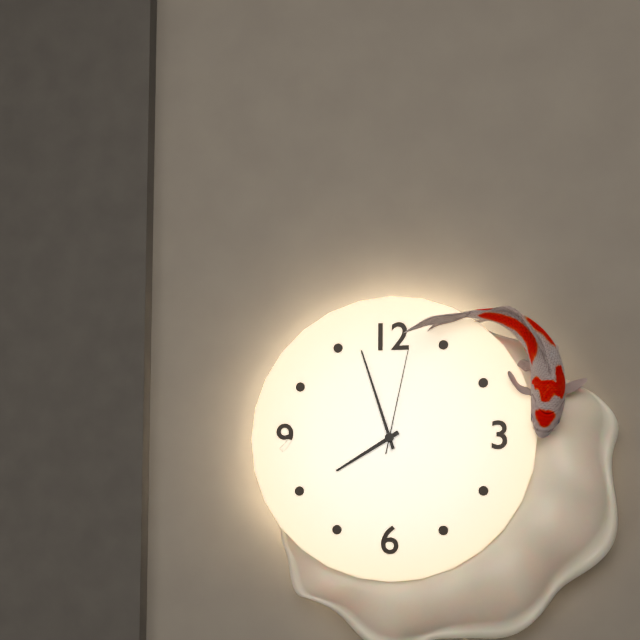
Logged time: 7 h 57 min 02 s
